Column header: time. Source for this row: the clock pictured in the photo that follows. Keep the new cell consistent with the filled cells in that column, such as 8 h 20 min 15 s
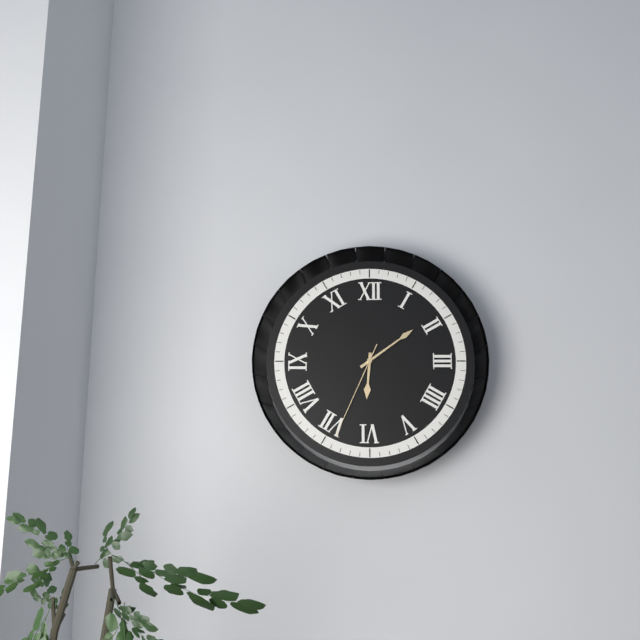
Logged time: 6 h 09 min 34 s
